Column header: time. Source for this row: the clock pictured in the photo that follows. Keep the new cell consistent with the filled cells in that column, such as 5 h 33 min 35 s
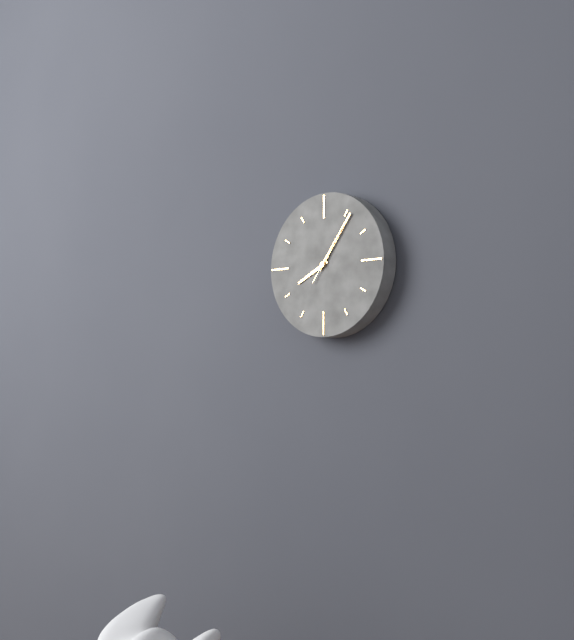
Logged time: 8 h 06 min 06 s
